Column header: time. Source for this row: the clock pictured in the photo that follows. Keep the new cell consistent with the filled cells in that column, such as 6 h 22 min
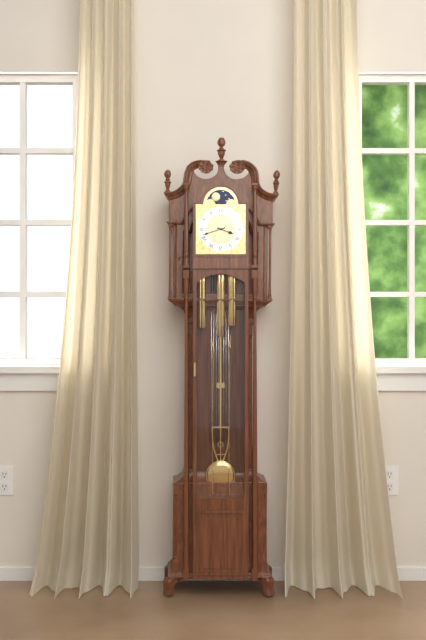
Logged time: 3 h 42 min
